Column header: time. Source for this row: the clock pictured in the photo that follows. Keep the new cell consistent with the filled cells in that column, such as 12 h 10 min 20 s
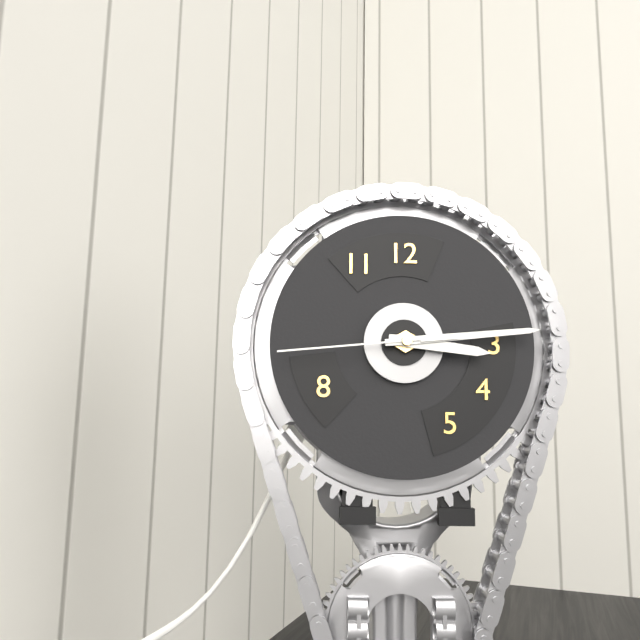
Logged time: 3 h 14 min 44 s
